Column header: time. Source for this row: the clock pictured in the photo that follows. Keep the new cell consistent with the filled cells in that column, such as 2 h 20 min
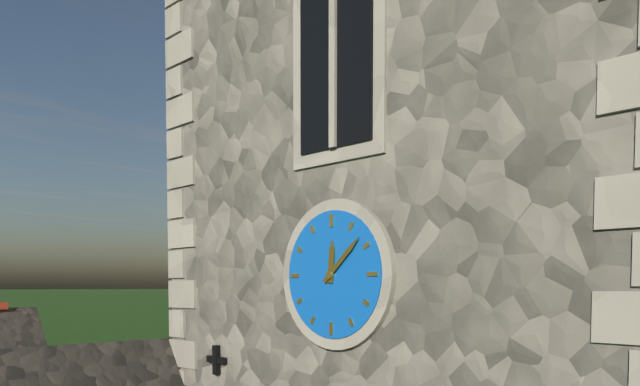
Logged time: 12 h 08 min
